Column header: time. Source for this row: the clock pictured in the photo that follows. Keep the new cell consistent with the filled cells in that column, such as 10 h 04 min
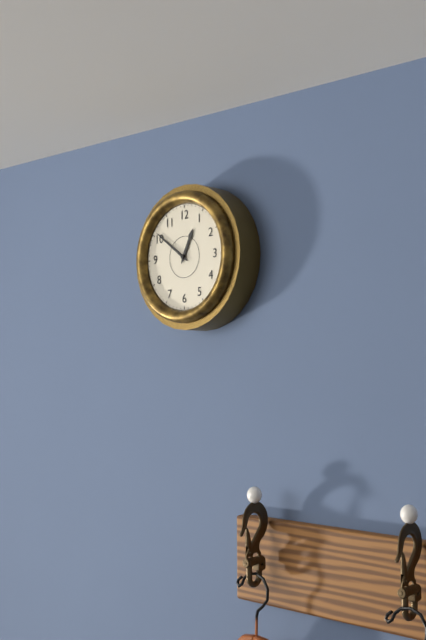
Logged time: 12 h 51 min
